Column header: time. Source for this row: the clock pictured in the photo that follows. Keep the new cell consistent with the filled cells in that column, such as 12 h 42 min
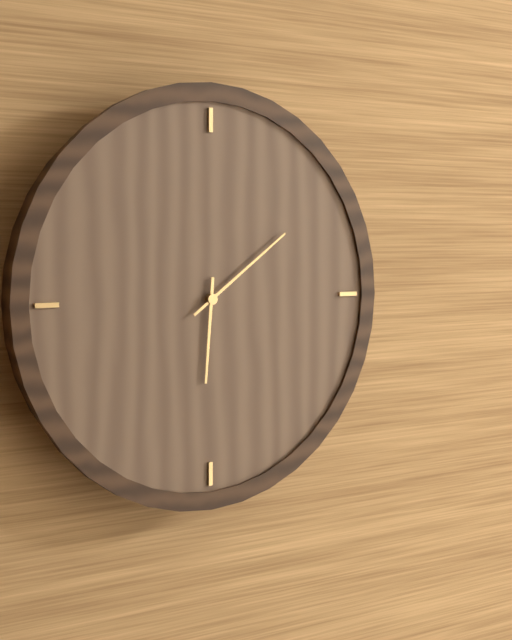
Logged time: 6 h 09 min
